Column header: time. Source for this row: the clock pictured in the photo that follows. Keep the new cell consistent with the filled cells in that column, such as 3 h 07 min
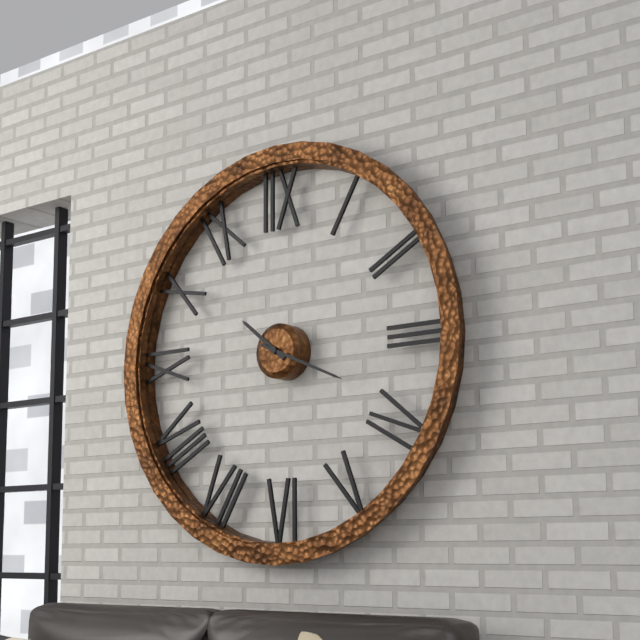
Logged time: 10 h 19 min
